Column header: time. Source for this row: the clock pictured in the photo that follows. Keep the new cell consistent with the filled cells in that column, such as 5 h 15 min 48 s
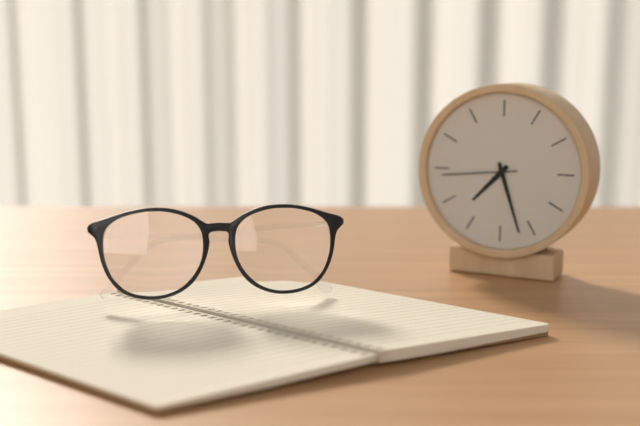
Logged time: 7 h 27 min 44 s
